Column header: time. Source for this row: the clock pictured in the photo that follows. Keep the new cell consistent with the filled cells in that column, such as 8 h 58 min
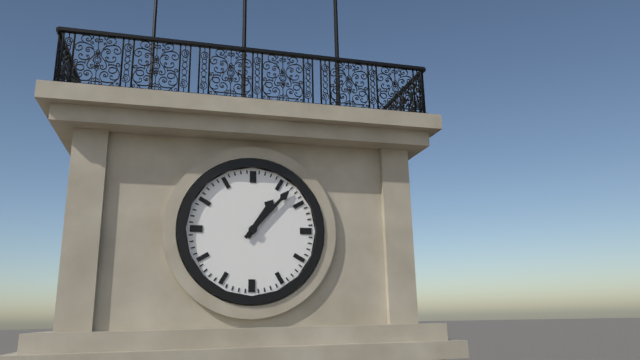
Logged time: 1 h 07 min
